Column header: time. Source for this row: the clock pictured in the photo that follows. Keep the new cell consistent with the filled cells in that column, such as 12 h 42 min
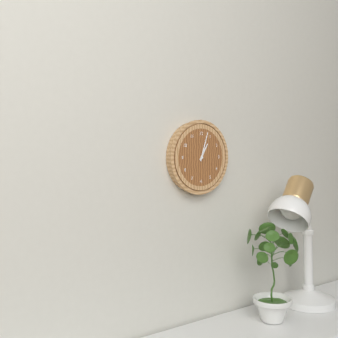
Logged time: 1 h 03 min
